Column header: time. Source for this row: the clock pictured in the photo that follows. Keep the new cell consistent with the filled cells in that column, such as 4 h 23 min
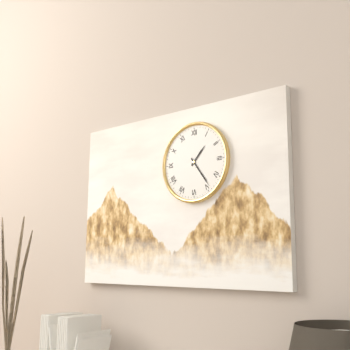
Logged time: 1 h 24 min
